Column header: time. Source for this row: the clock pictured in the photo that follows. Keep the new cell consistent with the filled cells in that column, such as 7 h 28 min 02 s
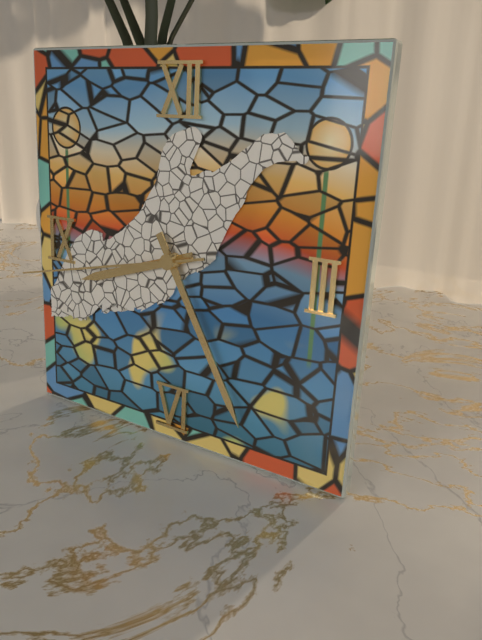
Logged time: 8 h 25 min 43 s
